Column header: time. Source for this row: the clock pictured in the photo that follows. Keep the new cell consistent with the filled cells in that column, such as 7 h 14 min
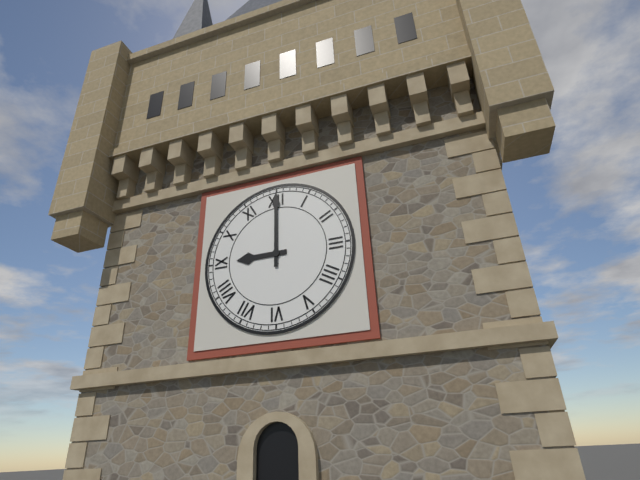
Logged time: 9 h 00 min
